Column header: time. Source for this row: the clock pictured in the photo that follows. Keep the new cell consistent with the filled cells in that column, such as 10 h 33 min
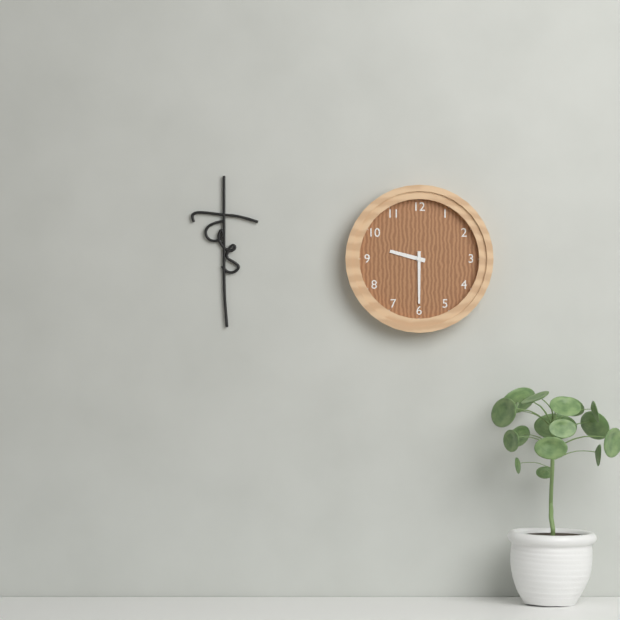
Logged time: 9 h 30 min
